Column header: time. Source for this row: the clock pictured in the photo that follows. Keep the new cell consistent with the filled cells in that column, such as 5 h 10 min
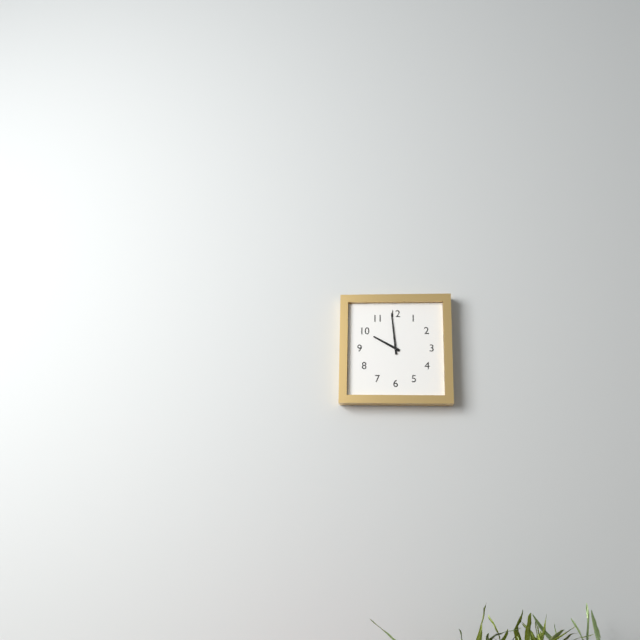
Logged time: 9 h 59 min
